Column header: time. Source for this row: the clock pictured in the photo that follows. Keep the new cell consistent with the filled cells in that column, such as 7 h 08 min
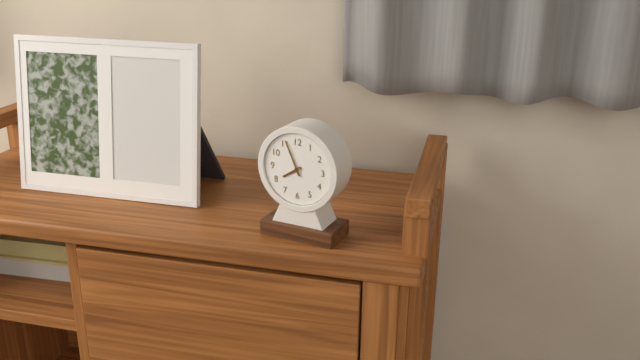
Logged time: 7 h 56 min
